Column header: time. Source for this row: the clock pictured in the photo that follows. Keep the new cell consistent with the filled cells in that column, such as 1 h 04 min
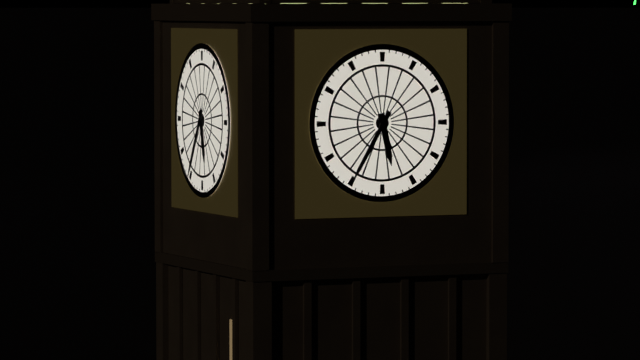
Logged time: 5 h 35 min
